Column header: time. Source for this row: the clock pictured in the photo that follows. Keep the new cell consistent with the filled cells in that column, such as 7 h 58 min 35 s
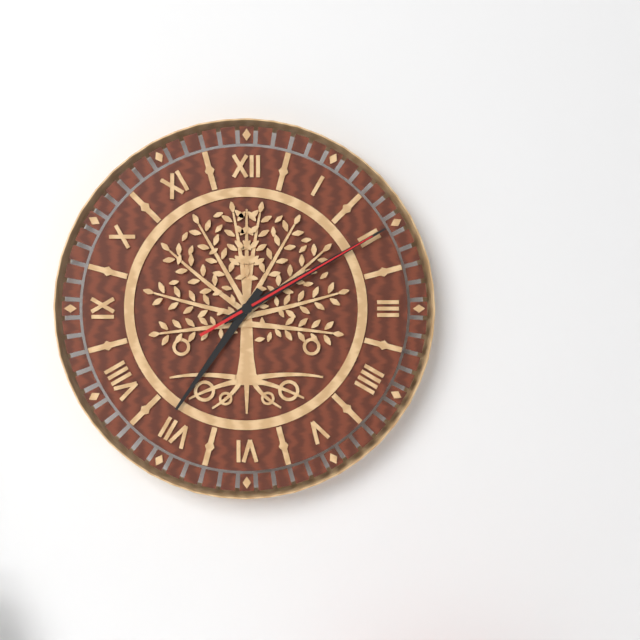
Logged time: 7 h 10 min 10 s
